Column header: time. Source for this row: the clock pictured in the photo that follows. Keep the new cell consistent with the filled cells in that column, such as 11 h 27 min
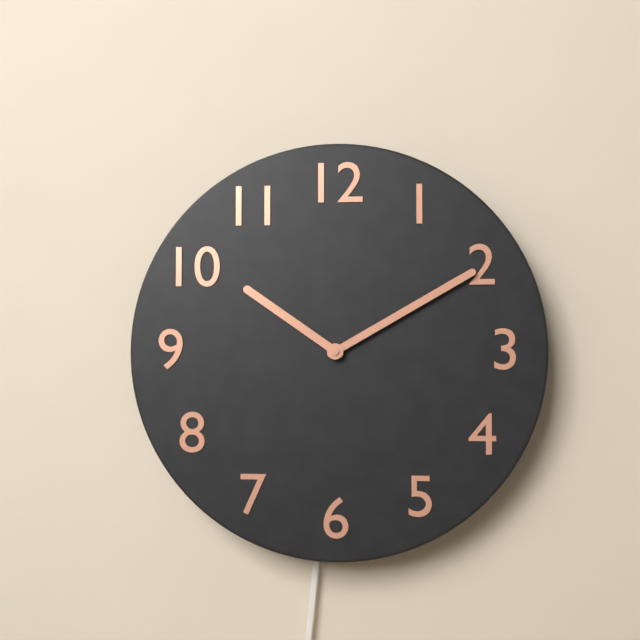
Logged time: 10 h 10 min
